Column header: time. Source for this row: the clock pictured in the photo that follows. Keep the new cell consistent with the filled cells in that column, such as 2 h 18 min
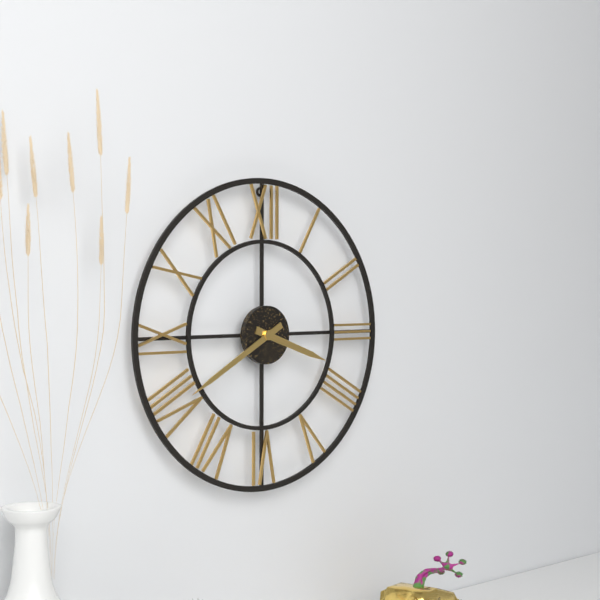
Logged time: 3 h 40 min
